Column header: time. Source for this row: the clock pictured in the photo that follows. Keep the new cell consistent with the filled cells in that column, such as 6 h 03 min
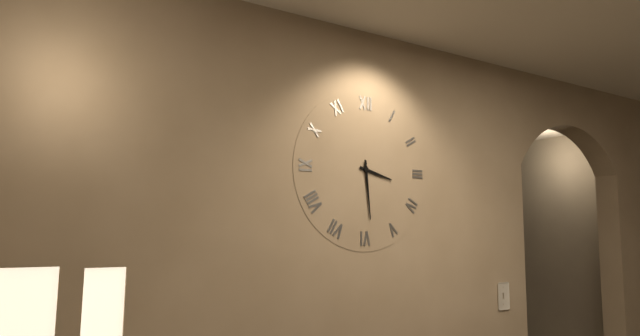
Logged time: 3 h 29 min
